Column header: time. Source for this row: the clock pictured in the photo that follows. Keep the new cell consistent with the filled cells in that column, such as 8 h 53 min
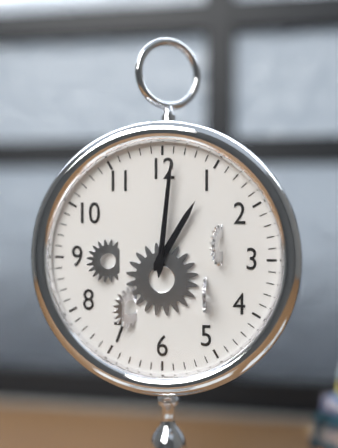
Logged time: 1 h 01 min
